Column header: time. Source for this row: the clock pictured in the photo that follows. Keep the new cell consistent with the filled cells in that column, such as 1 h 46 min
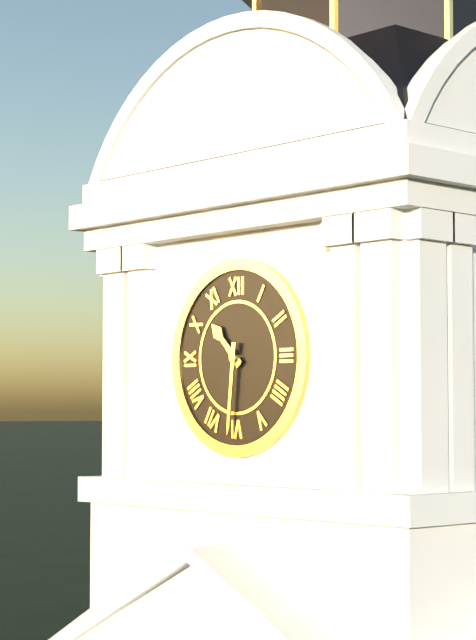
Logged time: 10 h 31 min
